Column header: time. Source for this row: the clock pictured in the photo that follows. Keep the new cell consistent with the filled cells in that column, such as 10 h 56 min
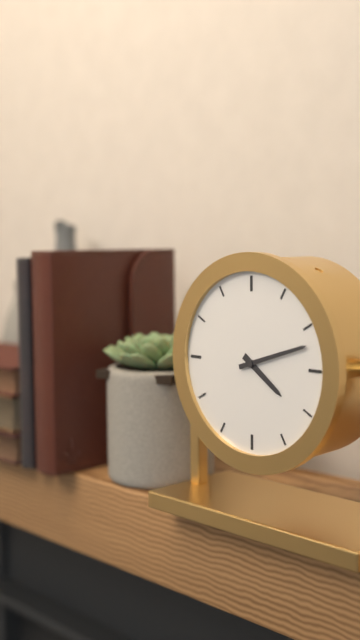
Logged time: 4 h 12 min
